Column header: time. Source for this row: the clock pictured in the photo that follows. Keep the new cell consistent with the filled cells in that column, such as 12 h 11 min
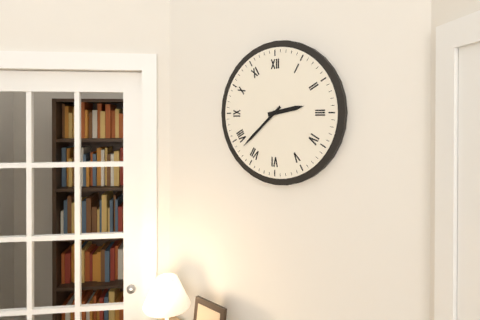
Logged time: 2 h 38 min
